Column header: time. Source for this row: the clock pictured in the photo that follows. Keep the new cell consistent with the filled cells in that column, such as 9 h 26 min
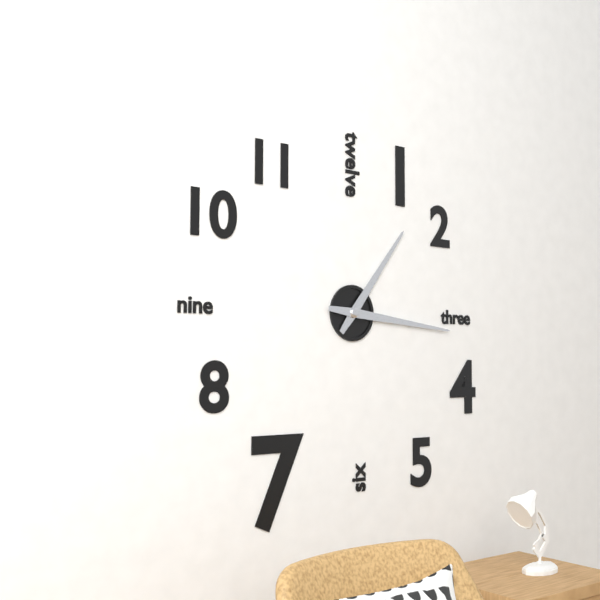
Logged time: 1 h 16 min
